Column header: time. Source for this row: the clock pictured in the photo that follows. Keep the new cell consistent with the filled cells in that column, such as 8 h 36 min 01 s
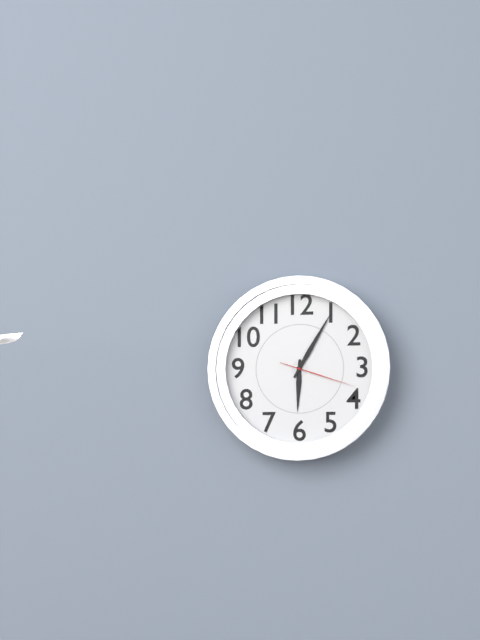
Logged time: 6 h 05 min 18 s
